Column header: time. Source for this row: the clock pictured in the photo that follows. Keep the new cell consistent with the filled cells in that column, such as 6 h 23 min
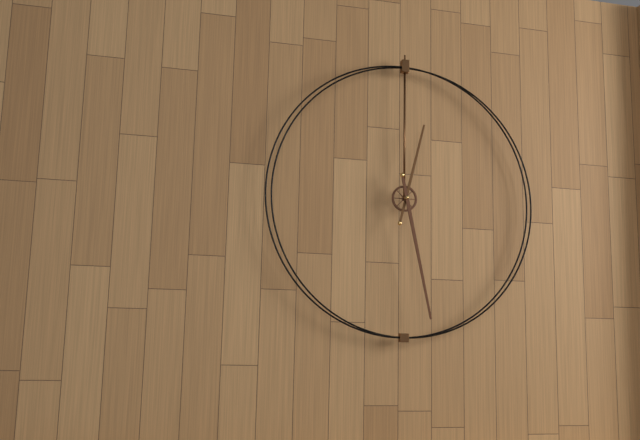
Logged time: 12 h 28 min
